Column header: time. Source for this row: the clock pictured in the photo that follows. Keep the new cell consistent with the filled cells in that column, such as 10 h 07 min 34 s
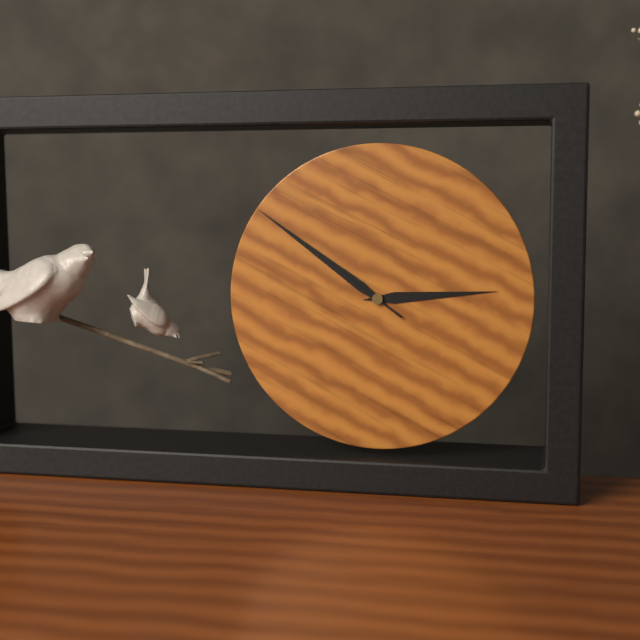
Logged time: 2 h 51 min 51 s
